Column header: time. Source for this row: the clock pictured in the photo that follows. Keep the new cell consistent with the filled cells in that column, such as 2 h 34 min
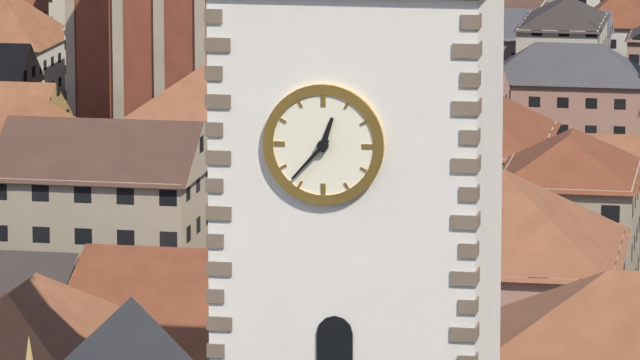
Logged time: 12 h 37 min
